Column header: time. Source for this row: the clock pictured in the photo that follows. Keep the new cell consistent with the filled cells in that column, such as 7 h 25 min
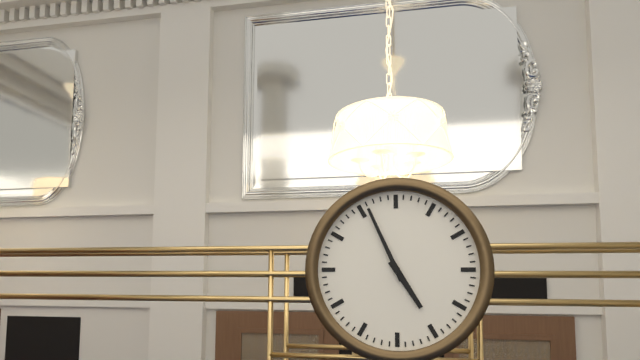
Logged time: 4 h 56 min
